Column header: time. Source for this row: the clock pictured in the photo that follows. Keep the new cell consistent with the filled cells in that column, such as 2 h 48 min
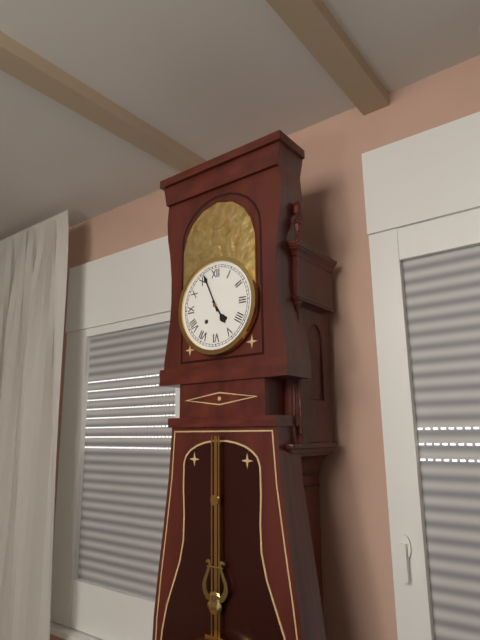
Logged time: 4 h 56 min
